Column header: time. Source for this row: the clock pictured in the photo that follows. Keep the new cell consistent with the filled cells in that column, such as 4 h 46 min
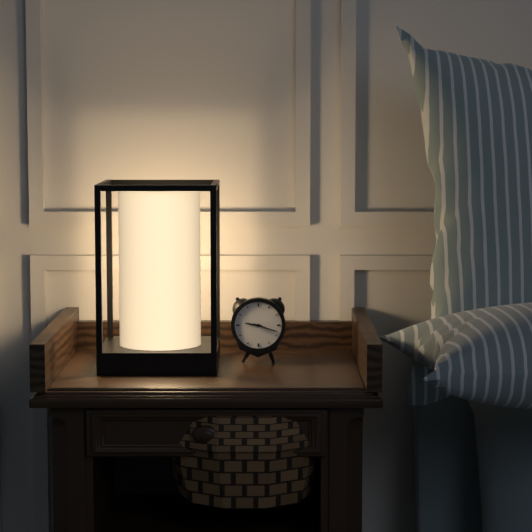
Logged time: 9 h 18 min
